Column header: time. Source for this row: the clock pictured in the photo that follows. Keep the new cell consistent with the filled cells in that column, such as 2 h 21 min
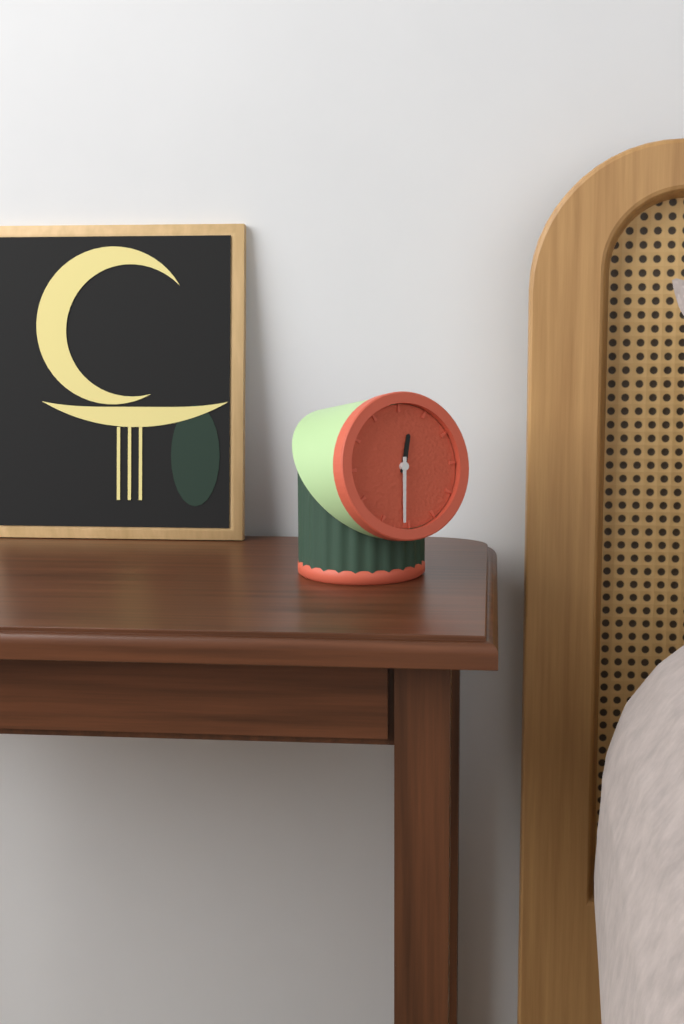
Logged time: 12 h 31 min
